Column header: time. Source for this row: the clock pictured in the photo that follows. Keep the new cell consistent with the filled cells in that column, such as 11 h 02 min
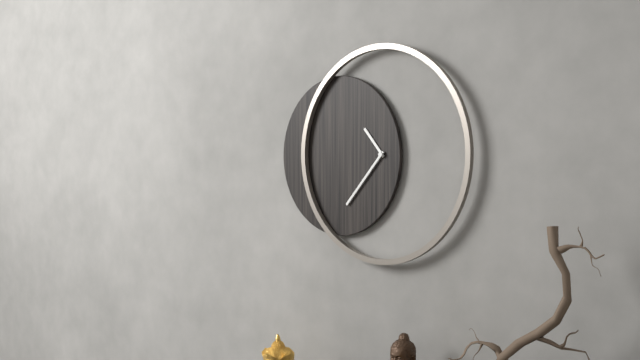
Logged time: 10 h 37 min
